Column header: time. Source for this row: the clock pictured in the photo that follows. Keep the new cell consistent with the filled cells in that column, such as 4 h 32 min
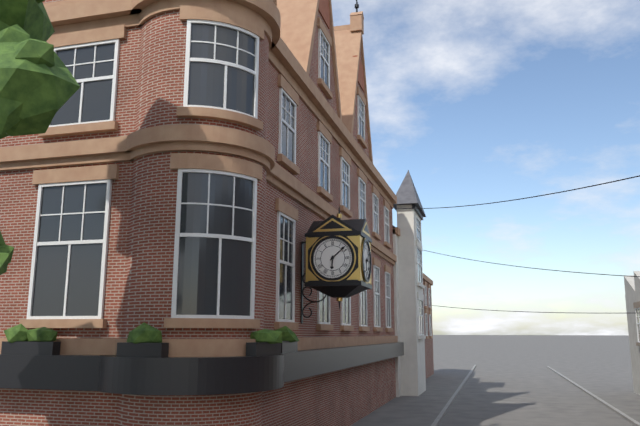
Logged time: 6 h 08 min
